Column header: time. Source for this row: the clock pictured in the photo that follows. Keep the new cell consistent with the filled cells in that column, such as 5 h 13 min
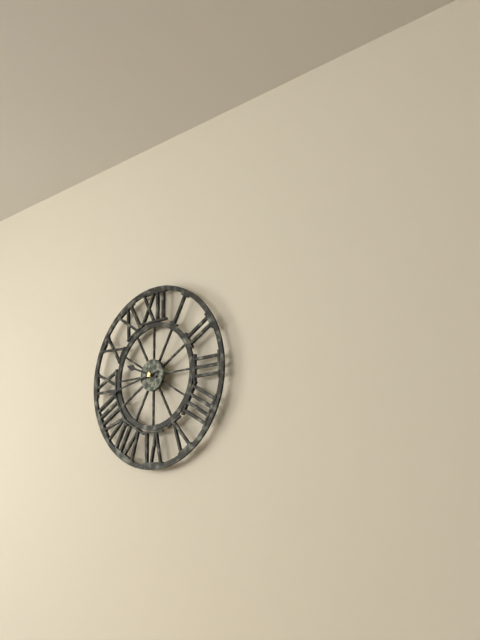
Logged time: 9 h 43 min
